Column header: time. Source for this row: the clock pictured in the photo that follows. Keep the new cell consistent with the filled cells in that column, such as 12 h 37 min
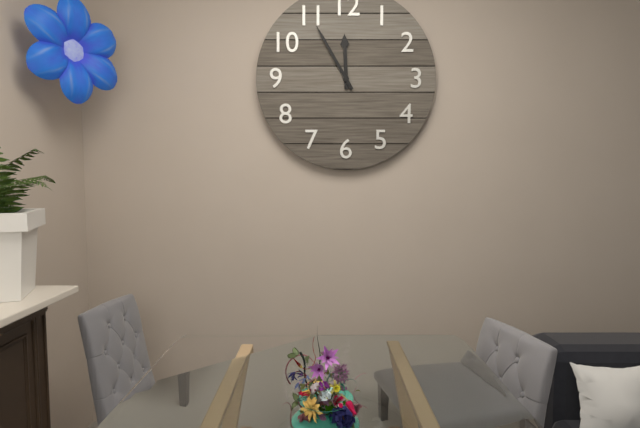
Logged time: 11 h 55 min
